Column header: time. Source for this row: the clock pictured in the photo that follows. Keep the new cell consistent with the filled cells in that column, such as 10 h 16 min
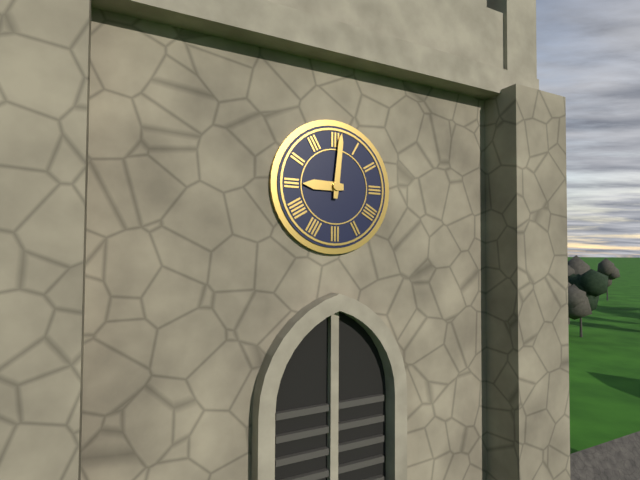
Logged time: 9 h 01 min
